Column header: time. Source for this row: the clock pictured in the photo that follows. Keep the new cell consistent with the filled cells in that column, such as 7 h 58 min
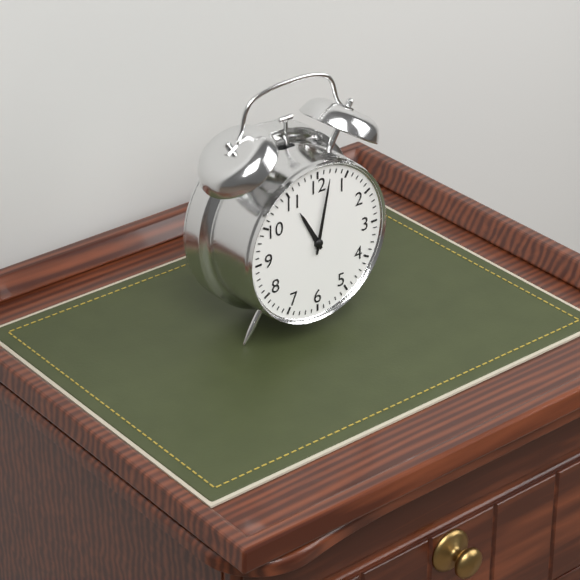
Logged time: 11 h 02 min
